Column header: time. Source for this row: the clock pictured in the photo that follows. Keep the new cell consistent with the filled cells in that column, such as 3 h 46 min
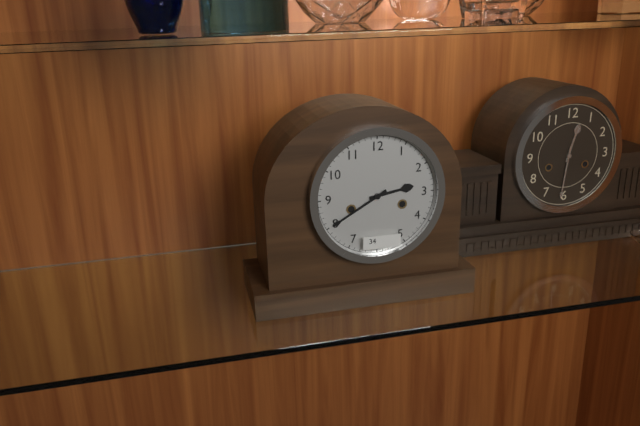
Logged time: 2 h 40 min
